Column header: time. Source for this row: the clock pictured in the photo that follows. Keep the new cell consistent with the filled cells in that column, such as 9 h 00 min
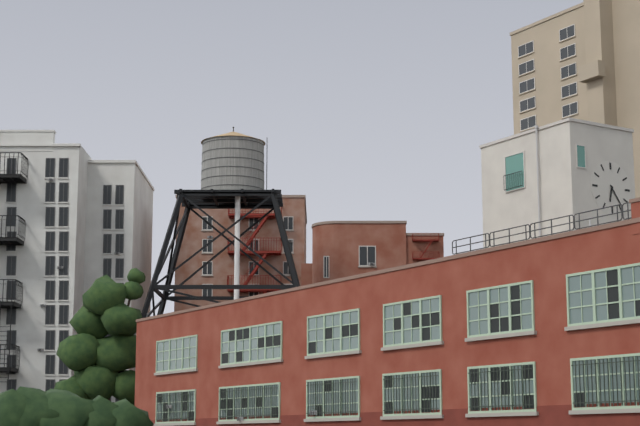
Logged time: 6 h 24 min
